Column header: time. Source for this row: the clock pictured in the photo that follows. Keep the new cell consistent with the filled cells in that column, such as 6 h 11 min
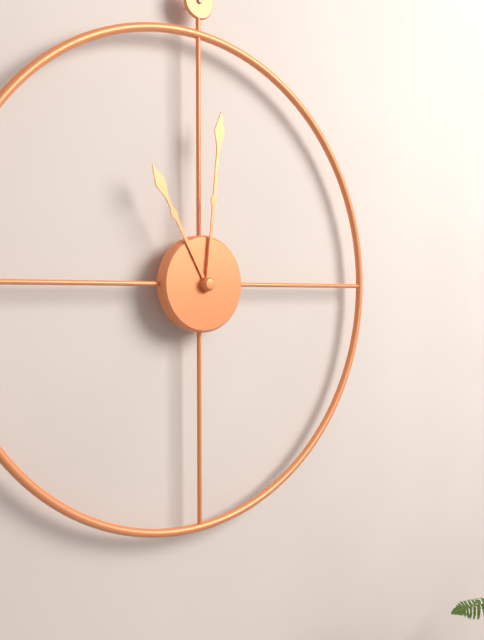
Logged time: 11 h 01 min
